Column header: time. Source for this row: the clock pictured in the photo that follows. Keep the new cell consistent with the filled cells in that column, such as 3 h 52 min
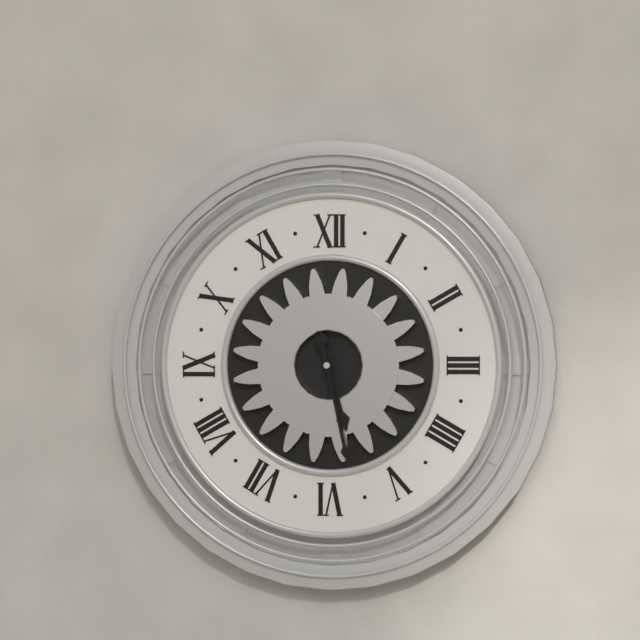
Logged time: 5 h 28 min
